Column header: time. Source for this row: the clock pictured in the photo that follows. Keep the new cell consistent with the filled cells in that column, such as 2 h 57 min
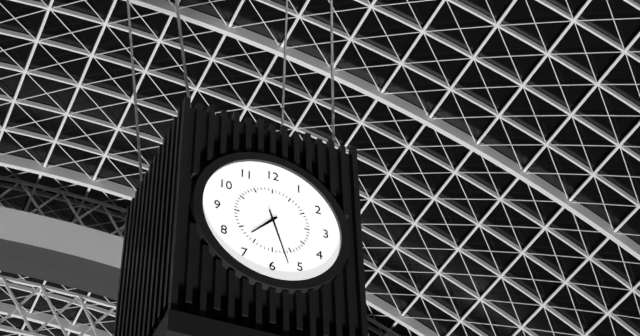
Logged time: 7 h 27 min
